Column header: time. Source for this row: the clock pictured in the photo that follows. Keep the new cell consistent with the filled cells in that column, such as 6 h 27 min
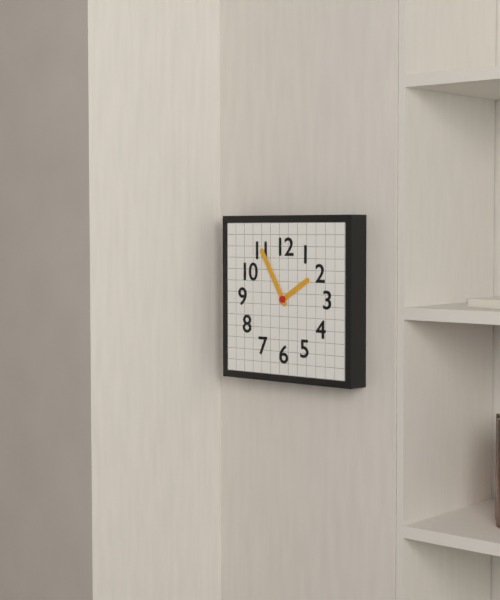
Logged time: 1 h 55 min
